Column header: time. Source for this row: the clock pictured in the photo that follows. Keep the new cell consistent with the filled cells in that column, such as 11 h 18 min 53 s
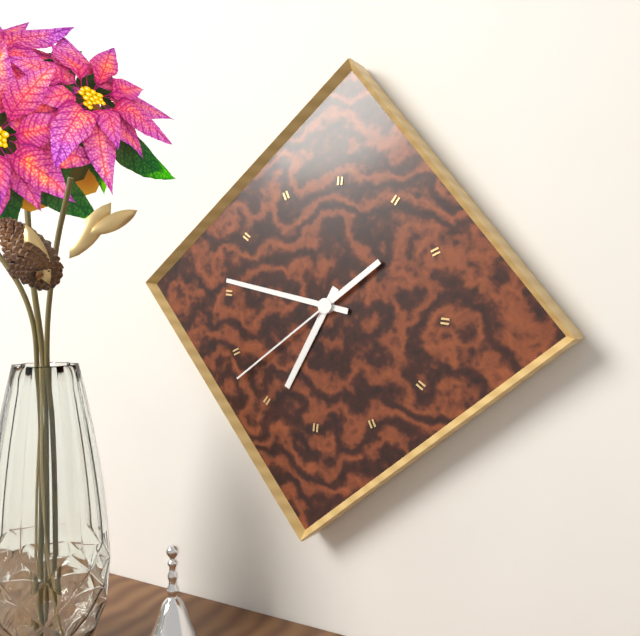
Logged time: 6 h 46 min 38 s
